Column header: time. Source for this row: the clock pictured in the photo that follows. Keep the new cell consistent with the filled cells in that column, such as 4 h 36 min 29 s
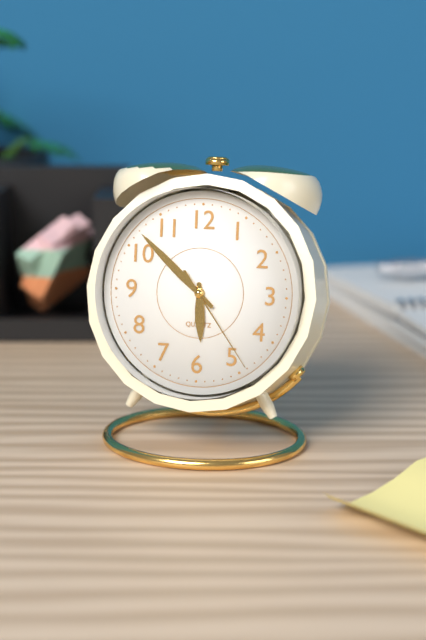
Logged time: 5 h 52 min 24 s
